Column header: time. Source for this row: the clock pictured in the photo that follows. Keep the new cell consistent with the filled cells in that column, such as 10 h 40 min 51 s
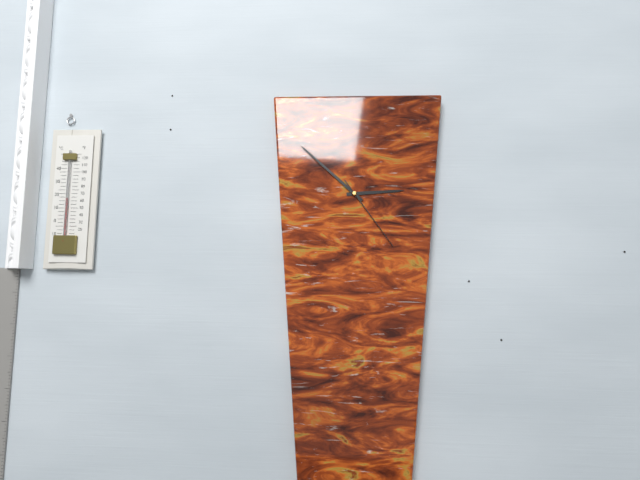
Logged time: 2 h 52 min 24 s
